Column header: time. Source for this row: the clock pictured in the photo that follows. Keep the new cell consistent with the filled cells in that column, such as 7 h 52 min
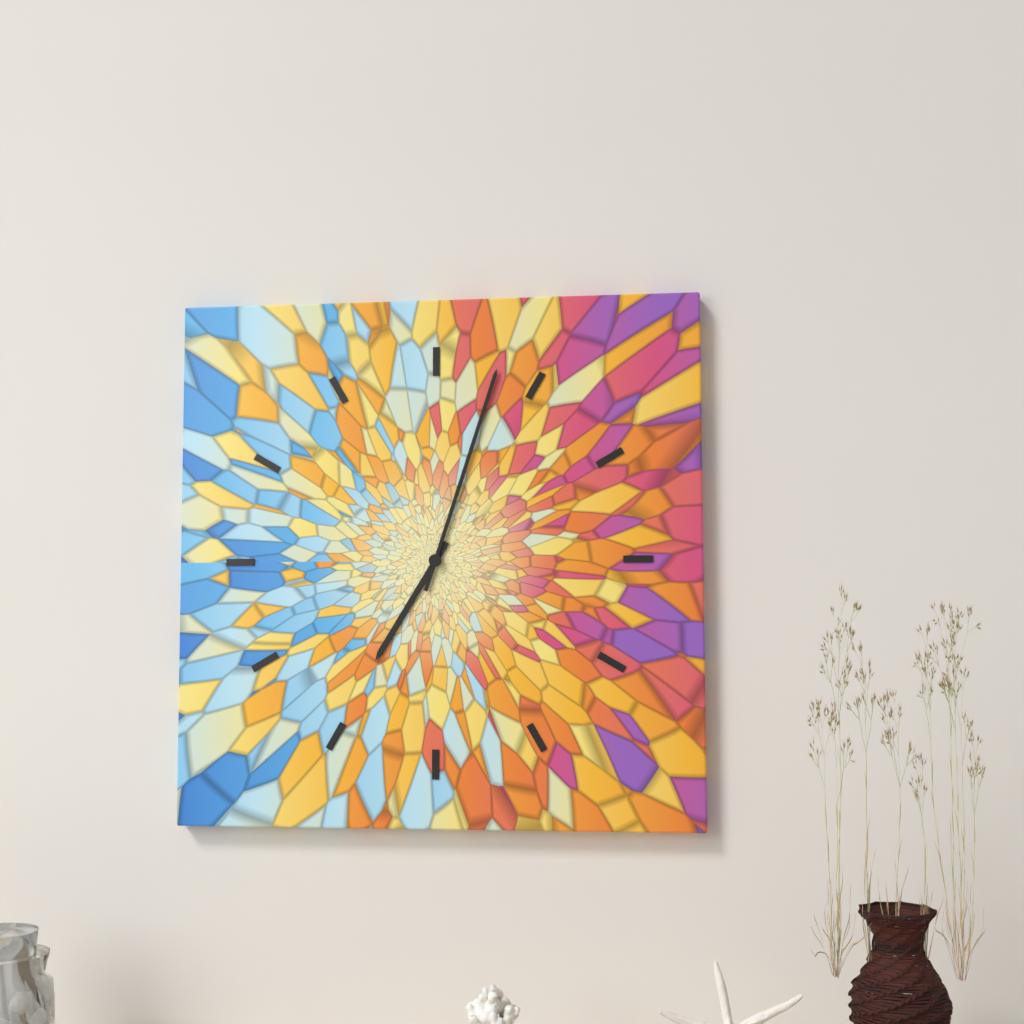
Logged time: 7 h 03 min
